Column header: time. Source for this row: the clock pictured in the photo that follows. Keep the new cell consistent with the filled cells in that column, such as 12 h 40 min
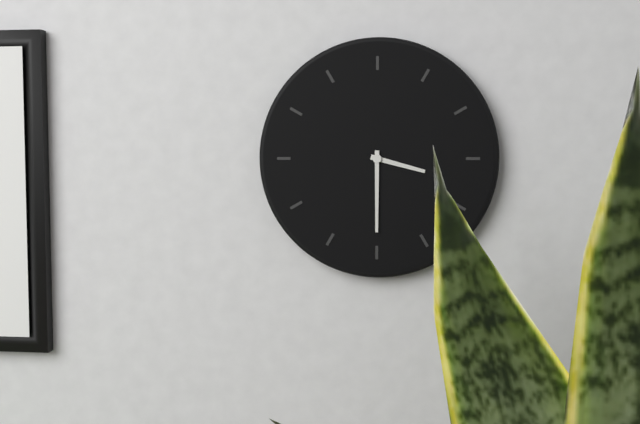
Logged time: 3 h 30 min
